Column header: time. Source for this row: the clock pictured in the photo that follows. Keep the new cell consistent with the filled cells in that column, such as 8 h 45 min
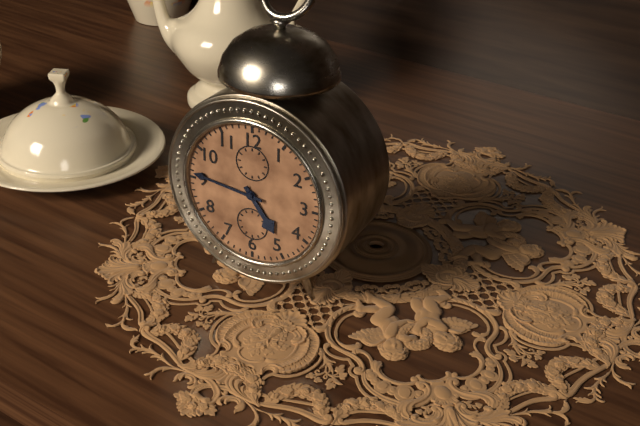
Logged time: 4 h 46 min
